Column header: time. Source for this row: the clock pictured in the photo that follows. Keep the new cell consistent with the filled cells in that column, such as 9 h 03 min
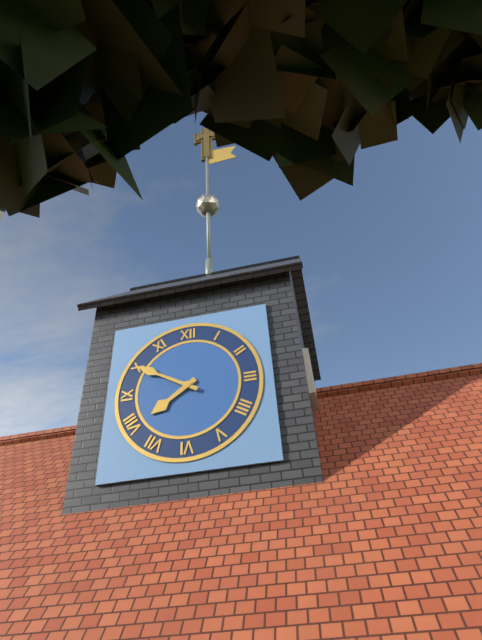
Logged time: 7 h 50 min
